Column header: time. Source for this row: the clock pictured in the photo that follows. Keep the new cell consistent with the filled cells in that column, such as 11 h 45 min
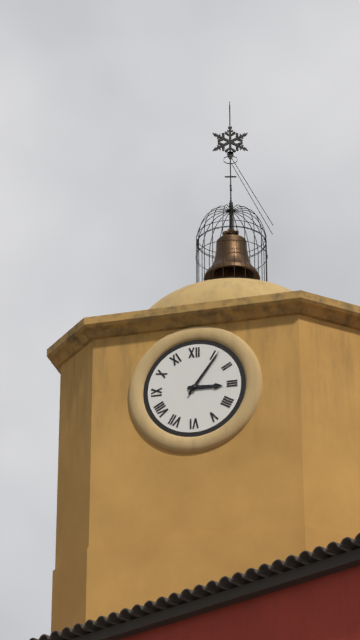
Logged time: 3 h 06 min
